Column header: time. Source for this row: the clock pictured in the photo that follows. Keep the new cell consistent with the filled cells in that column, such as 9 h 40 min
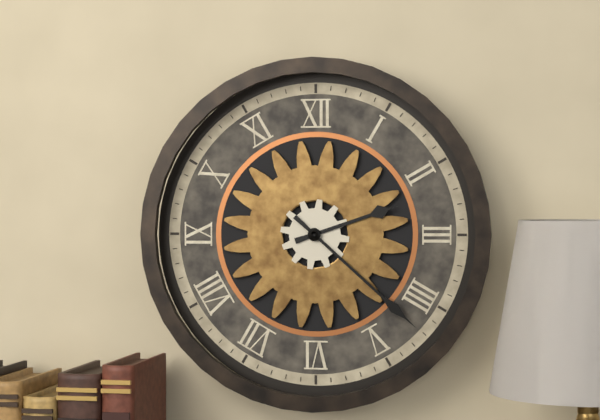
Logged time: 2 h 22 min
